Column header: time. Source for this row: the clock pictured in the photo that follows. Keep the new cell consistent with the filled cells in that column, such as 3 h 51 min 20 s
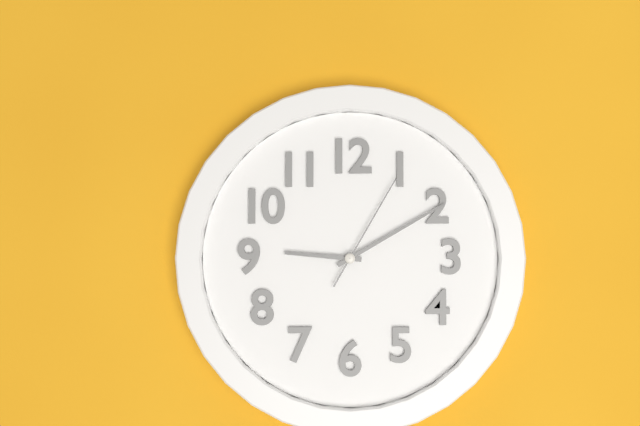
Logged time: 9 h 10 min 05 s
